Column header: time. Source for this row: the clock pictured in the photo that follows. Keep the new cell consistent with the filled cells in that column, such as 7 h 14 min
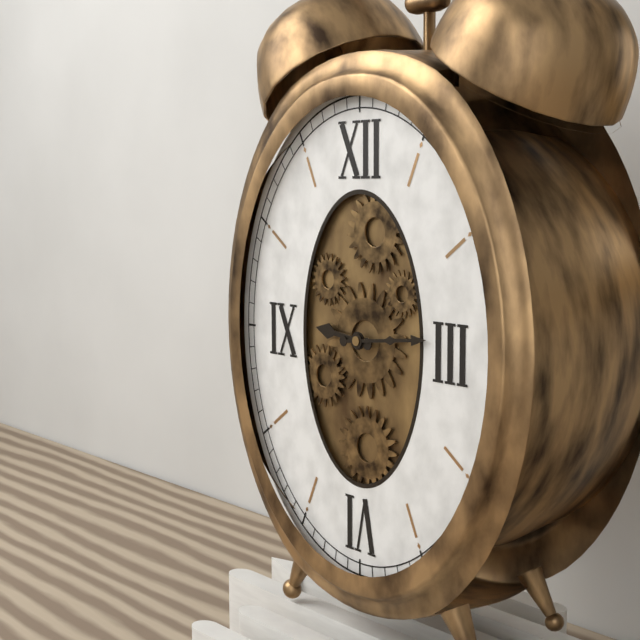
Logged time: 9 h 14 min
